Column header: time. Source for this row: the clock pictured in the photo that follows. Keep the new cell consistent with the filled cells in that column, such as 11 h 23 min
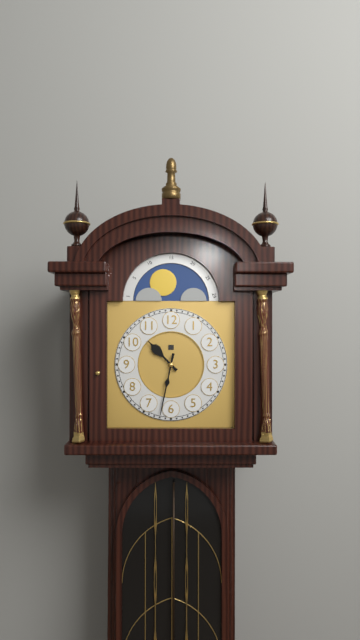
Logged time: 10 h 32 min
